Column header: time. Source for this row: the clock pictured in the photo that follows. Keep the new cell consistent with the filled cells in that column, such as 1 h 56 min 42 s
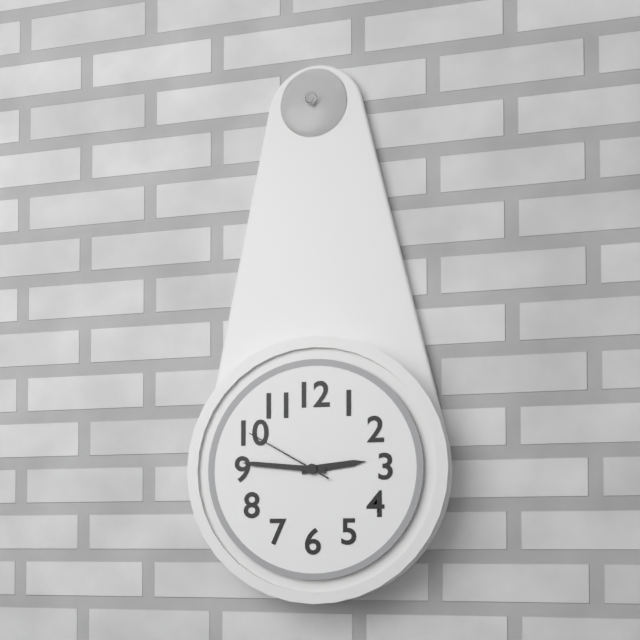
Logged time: 2 h 46 min 50 s
